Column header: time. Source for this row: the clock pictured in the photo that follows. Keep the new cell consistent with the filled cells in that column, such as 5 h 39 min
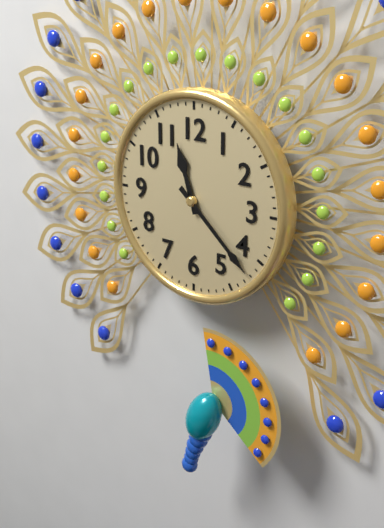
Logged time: 11 h 22 min
